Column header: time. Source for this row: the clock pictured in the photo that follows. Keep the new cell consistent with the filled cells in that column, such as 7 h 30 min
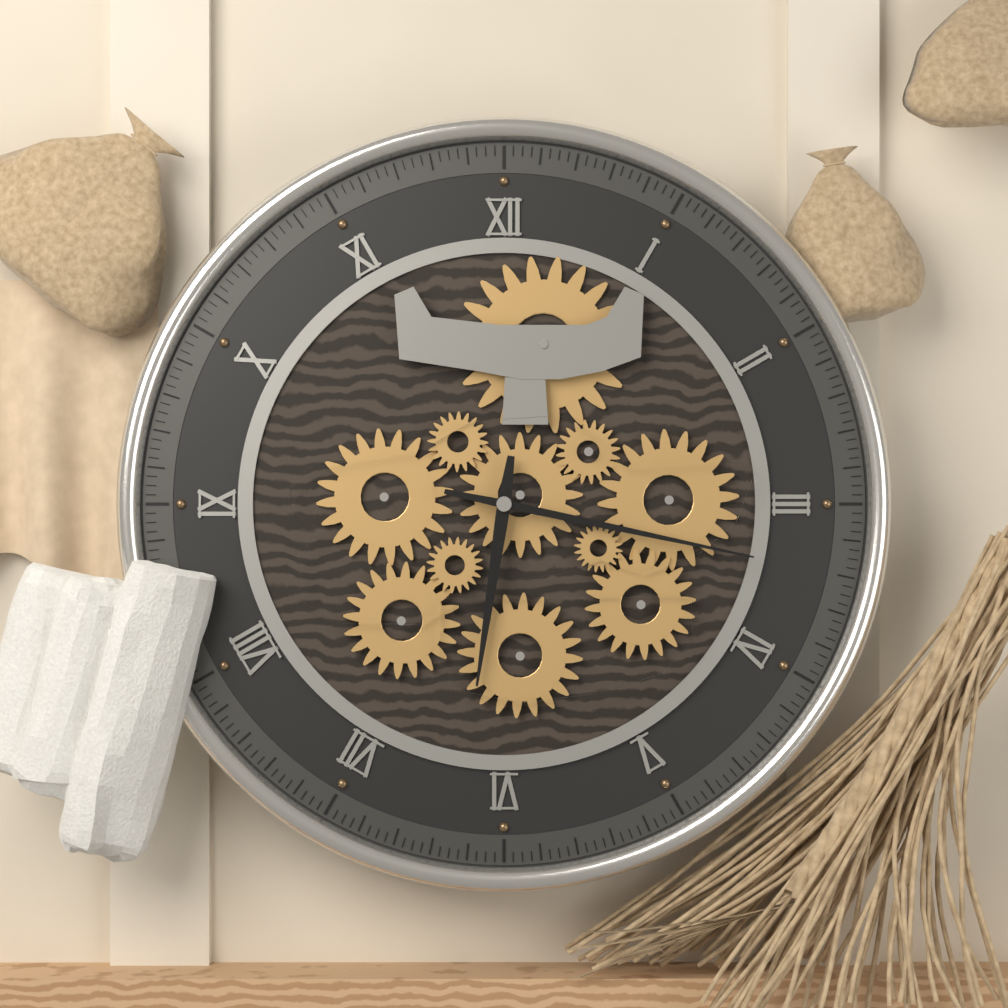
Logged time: 6 h 17 min
